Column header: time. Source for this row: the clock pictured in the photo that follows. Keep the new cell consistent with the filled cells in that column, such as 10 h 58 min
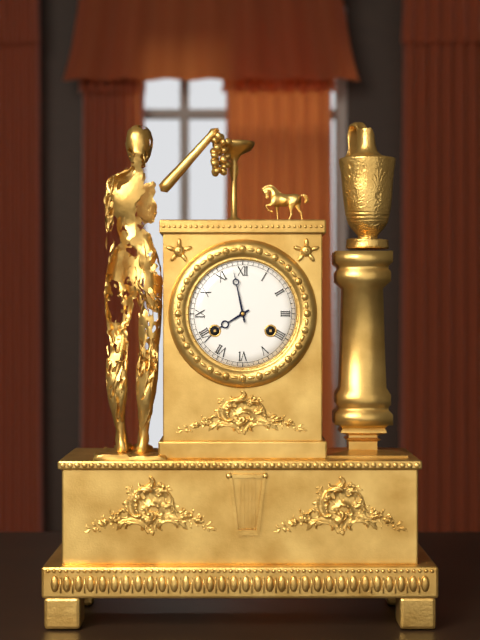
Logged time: 7 h 58 min
